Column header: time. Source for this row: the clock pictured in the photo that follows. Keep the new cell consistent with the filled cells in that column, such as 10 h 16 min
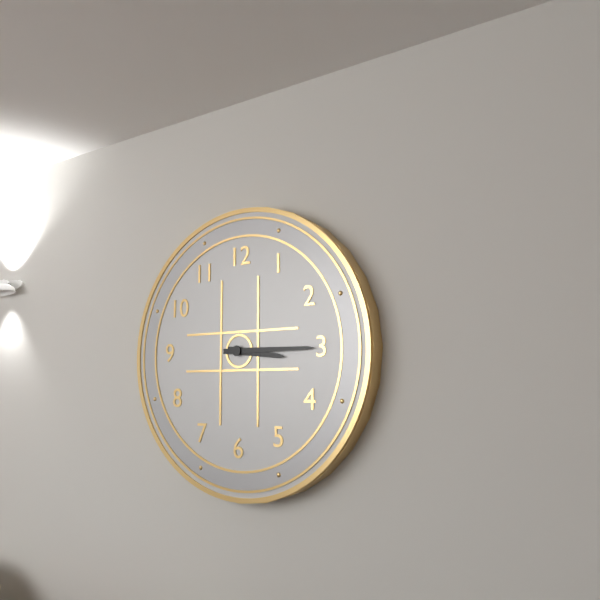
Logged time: 3 h 15 min
